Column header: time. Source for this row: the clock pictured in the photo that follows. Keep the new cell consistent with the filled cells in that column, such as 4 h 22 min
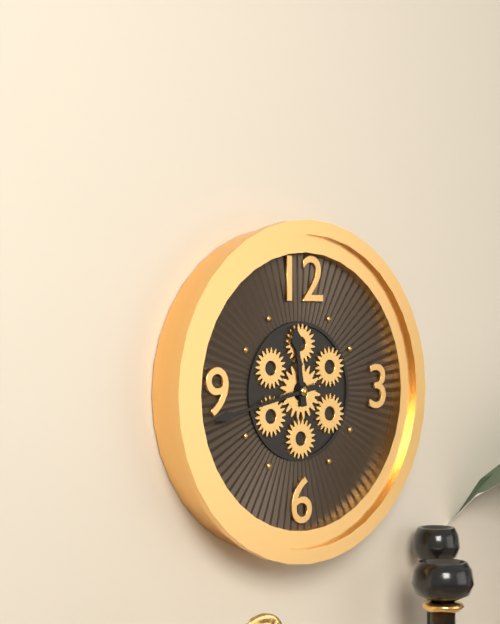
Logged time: 11 h 43 min
